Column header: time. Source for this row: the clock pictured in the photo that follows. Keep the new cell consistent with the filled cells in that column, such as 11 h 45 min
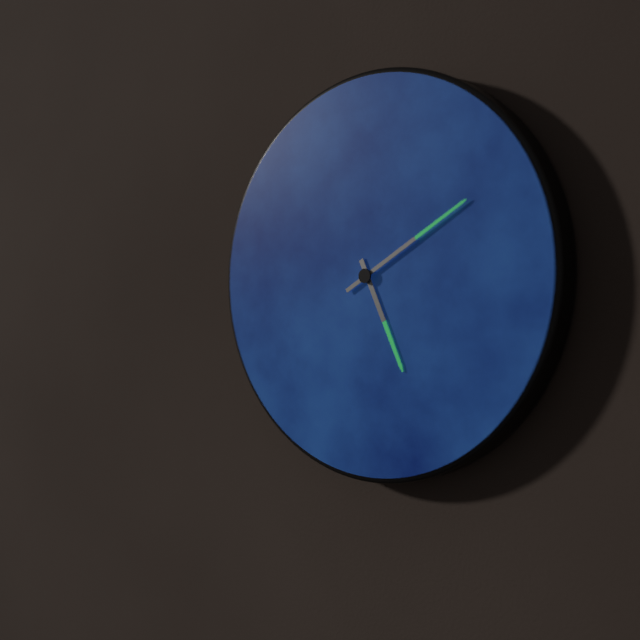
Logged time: 5 h 10 min
